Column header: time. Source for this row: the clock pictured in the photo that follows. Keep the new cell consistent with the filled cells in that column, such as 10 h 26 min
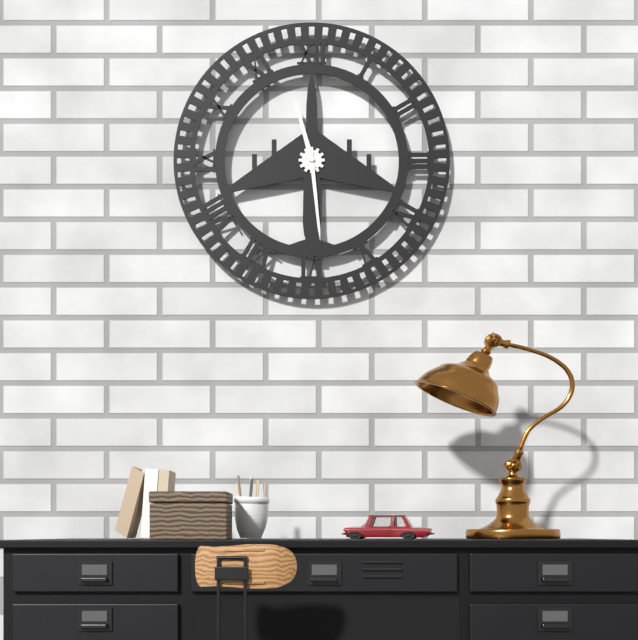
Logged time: 11 h 29 min
